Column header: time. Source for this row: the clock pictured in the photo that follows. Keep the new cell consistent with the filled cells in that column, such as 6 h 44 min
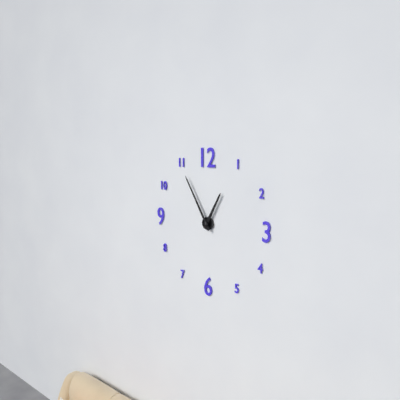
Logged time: 12 h 55 min
